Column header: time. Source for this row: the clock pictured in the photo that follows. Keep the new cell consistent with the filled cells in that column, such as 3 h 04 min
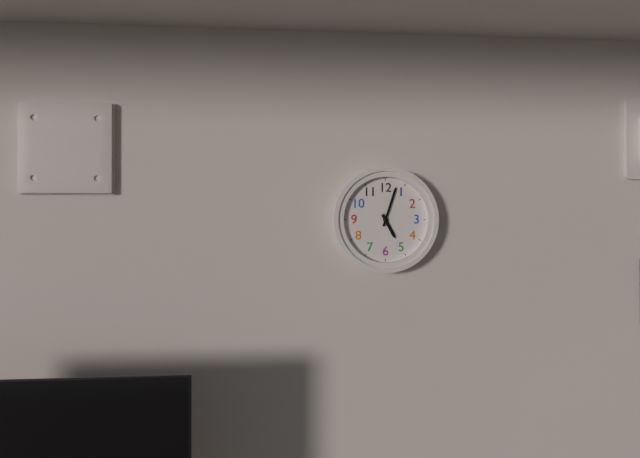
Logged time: 5 h 03 min
